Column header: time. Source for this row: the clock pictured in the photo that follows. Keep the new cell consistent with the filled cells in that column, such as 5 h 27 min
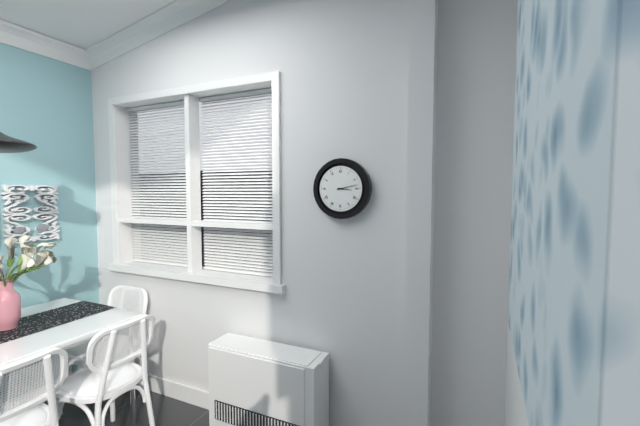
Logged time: 3 h 13 min
